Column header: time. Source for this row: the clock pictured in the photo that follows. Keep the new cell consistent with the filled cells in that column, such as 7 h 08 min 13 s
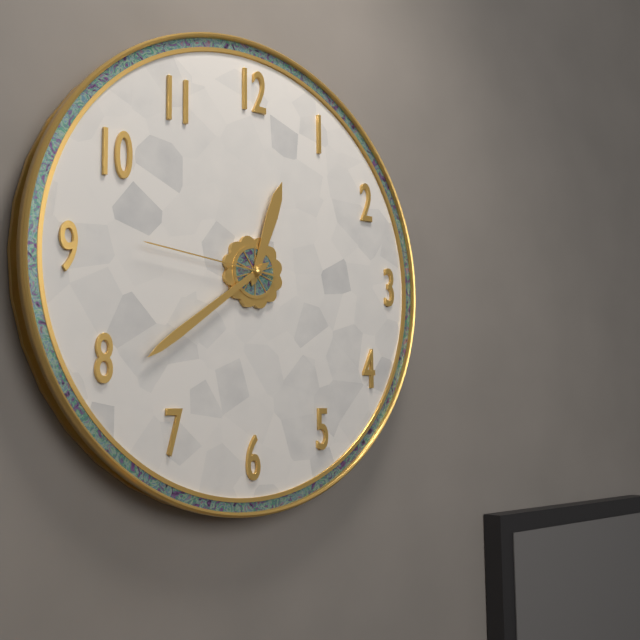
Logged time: 12 h 39 min 46 s
